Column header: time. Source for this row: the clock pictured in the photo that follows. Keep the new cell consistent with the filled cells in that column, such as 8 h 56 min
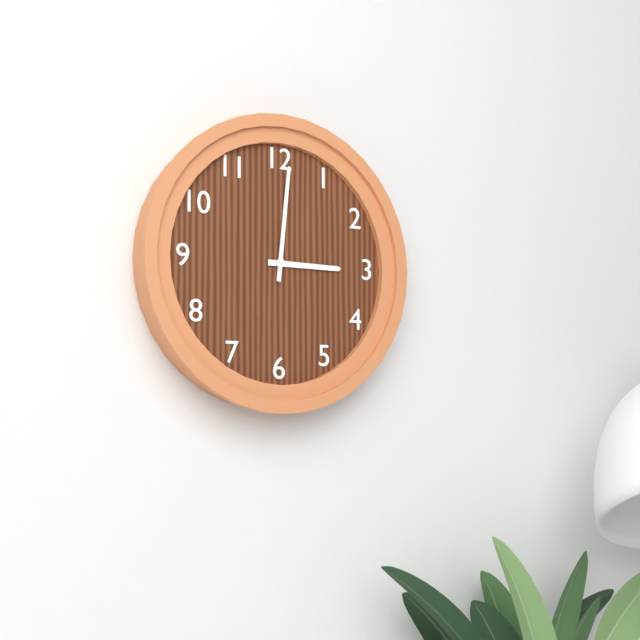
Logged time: 3 h 01 min
